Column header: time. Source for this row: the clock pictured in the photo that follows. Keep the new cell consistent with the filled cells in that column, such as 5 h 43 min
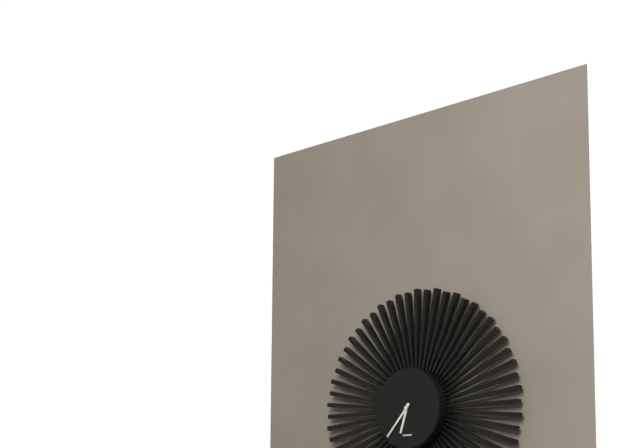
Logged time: 6 h 37 min
